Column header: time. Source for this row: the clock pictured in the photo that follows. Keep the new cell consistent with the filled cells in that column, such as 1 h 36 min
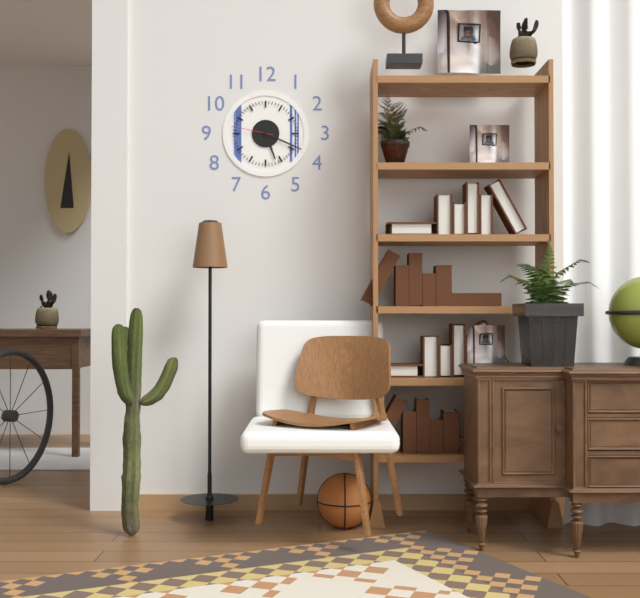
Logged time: 5 h 19 min
